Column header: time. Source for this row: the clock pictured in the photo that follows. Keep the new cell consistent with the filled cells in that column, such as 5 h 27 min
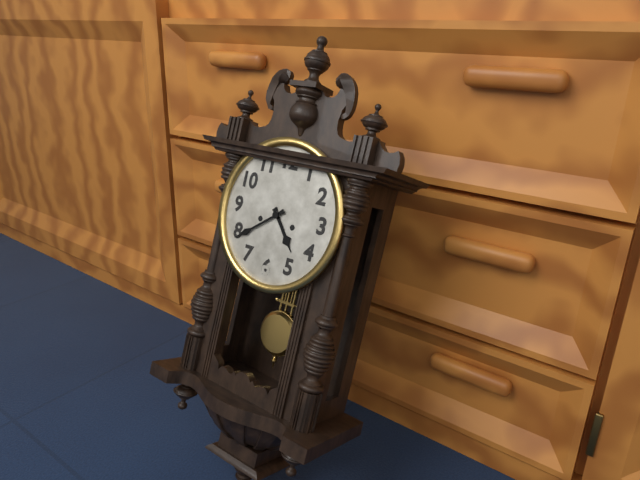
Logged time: 4 h 39 min
